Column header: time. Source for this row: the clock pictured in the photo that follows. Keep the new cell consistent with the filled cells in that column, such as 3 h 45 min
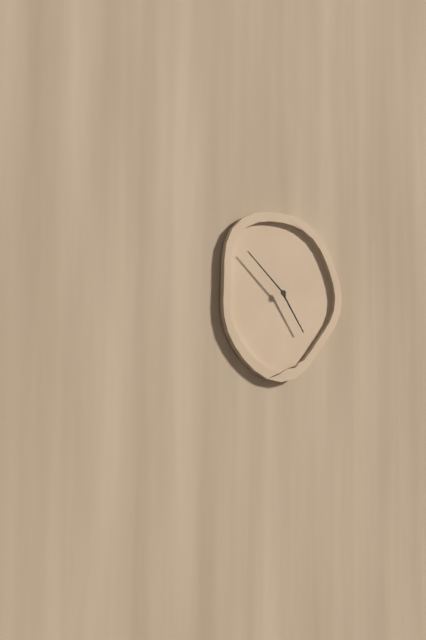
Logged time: 4 h 52 min
